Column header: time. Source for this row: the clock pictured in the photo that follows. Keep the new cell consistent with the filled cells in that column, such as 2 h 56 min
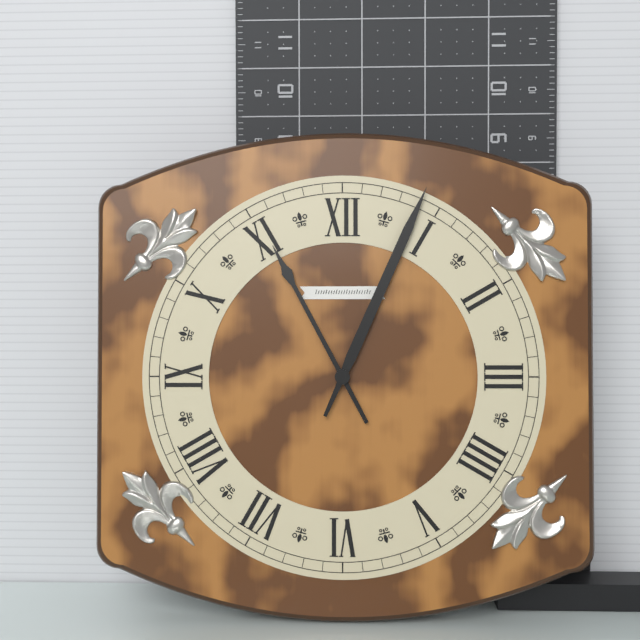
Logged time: 11 h 04 min
